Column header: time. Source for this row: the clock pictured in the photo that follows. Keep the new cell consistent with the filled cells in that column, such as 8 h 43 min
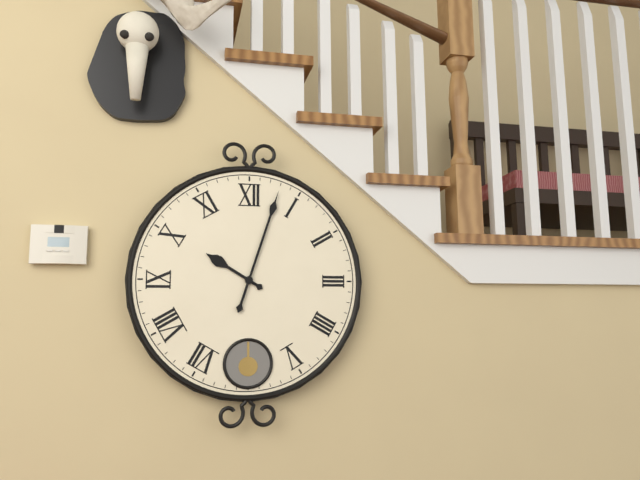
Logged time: 10 h 03 min
